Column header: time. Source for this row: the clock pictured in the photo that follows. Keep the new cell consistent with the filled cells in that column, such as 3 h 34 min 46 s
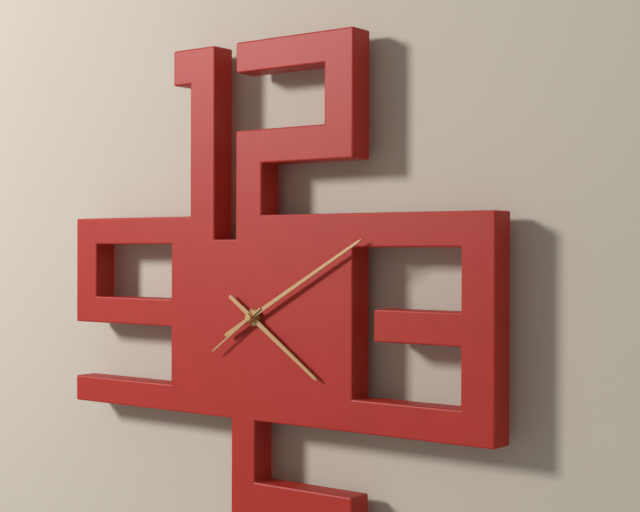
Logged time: 4 h 10 min 39 s
